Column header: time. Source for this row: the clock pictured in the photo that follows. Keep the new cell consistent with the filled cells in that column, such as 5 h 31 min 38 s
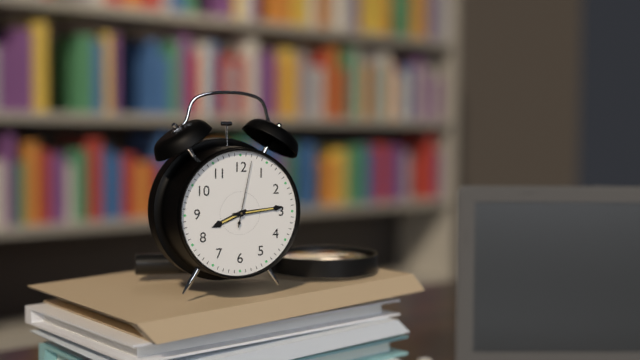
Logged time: 8 h 14 min 02 s
